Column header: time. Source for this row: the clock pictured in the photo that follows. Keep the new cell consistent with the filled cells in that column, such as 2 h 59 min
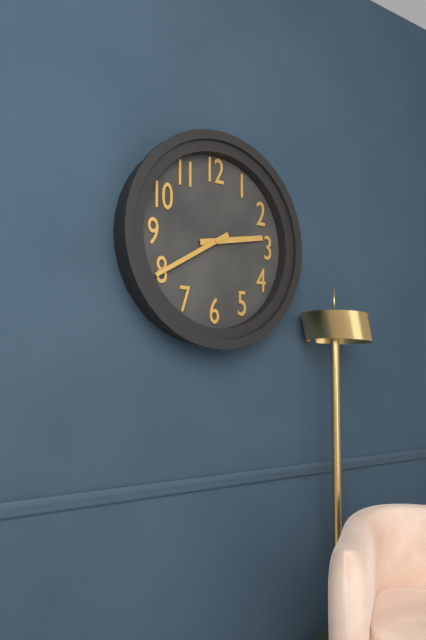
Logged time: 2 h 40 min
